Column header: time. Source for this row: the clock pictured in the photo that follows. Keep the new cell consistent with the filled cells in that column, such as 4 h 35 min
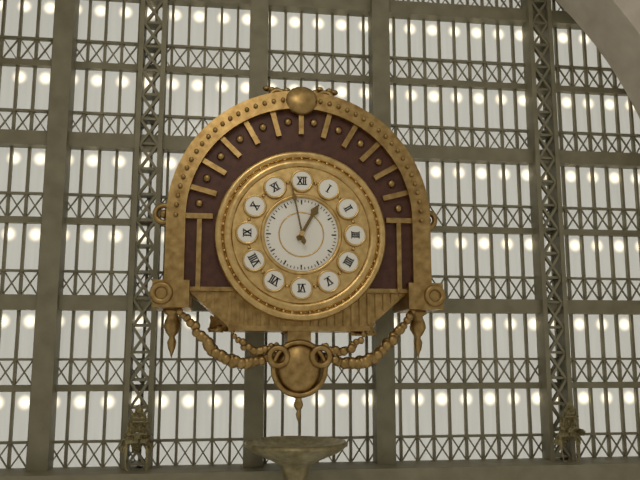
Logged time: 12 h 58 min
